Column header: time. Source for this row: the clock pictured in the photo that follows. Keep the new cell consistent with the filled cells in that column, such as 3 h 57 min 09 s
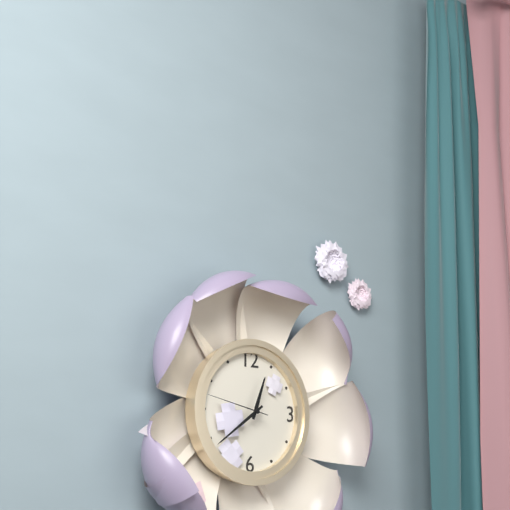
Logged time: 12 h 39 min 47 s
